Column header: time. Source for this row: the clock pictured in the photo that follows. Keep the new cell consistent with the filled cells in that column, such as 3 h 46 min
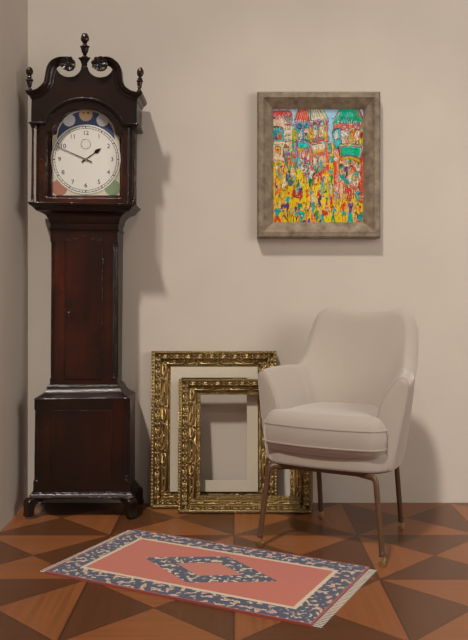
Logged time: 1 h 49 min
